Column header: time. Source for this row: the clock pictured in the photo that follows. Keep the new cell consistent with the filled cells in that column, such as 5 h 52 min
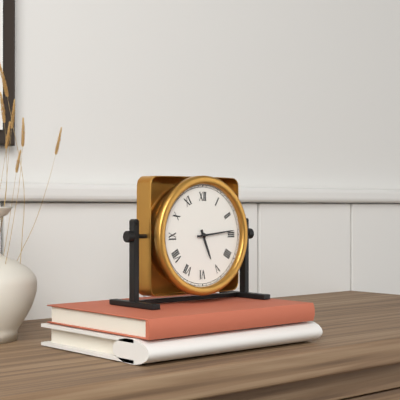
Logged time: 5 h 14 min
